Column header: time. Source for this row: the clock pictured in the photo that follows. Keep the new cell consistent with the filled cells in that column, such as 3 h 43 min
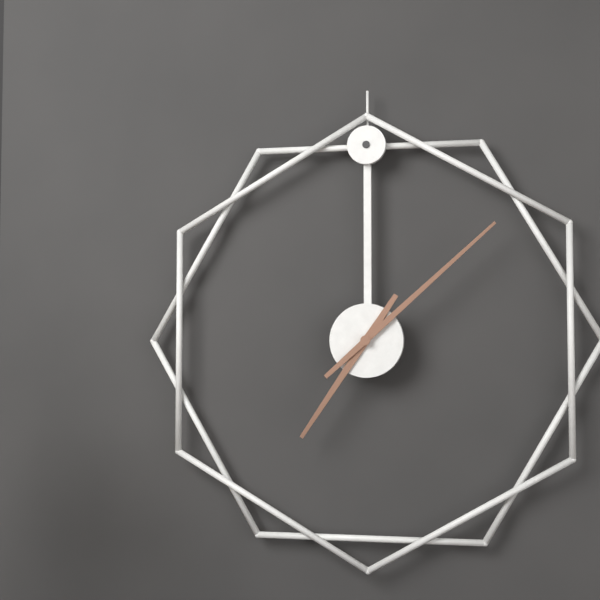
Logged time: 7 h 08 min
